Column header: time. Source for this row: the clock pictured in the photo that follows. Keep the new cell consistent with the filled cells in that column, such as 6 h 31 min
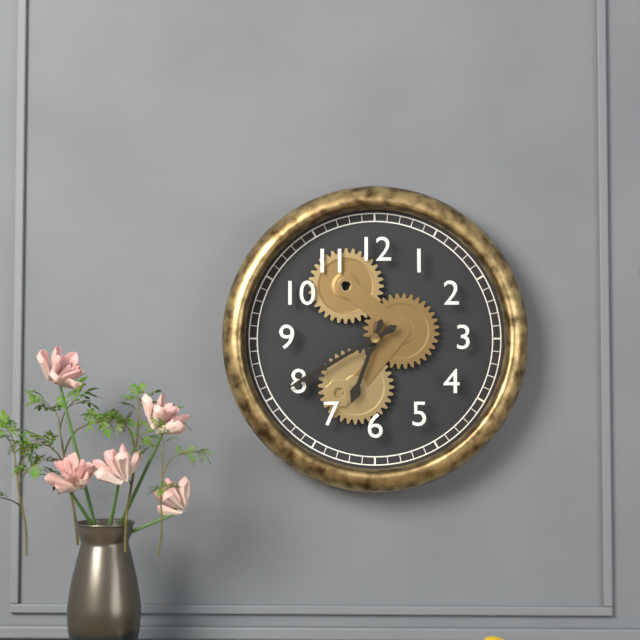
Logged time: 6 h 40 min
